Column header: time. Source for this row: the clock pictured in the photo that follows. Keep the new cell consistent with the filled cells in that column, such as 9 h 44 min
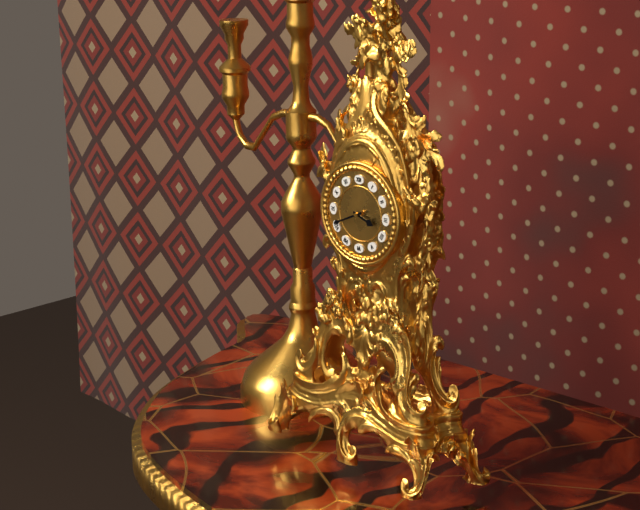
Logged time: 3 h 41 min
